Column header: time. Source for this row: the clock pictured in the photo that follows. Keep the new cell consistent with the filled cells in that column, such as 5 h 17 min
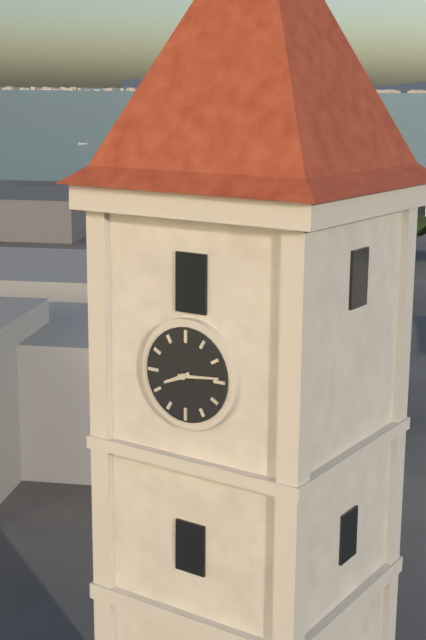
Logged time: 8 h 14 min
